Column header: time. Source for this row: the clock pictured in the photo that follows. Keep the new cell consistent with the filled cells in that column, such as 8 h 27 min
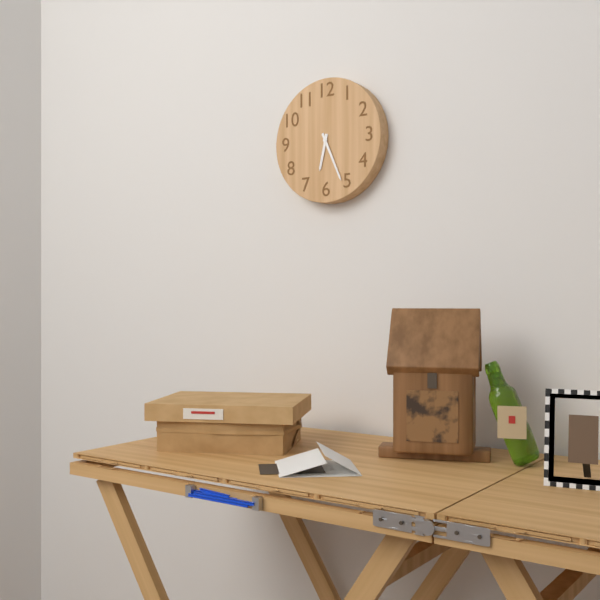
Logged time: 6 h 26 min
